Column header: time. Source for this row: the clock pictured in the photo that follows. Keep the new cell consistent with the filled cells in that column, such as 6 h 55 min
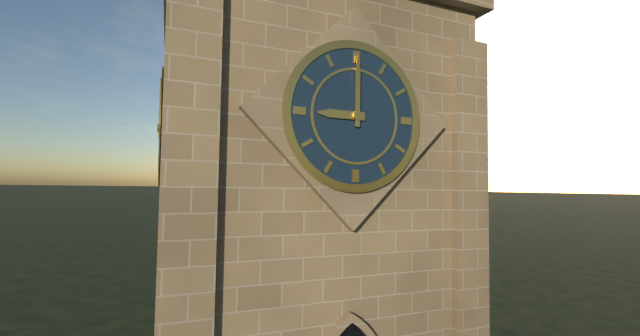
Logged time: 9 h 00 min
